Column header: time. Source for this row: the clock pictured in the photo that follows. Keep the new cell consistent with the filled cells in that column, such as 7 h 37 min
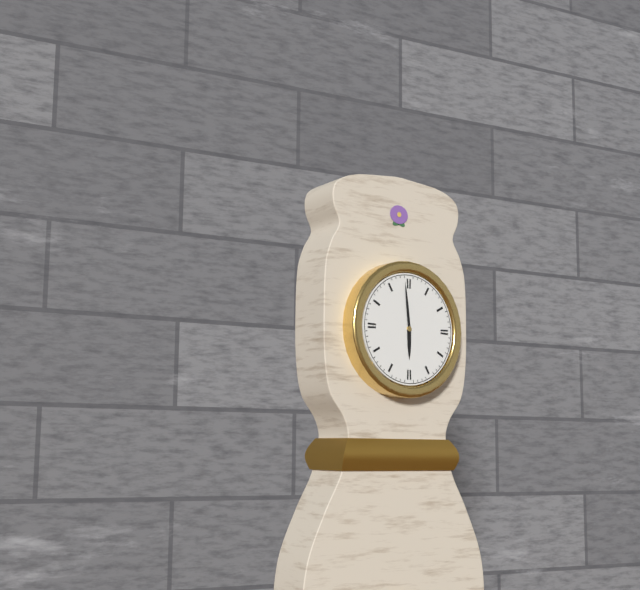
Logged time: 5 h 59 min
